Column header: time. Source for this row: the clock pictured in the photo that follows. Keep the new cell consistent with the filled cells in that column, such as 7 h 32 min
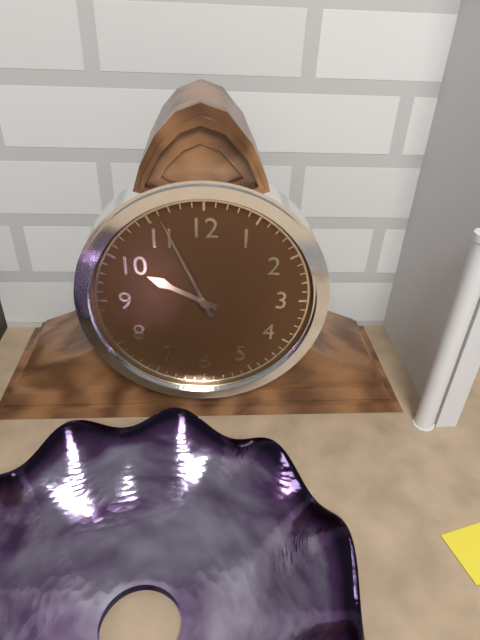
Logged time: 9 h 56 min
